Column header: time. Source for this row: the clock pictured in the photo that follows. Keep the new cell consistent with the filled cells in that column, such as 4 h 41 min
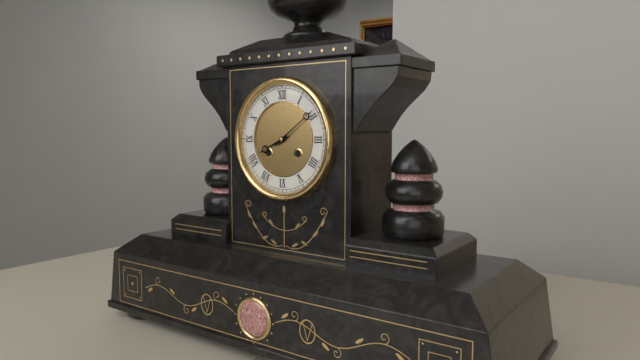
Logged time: 8 h 09 min
